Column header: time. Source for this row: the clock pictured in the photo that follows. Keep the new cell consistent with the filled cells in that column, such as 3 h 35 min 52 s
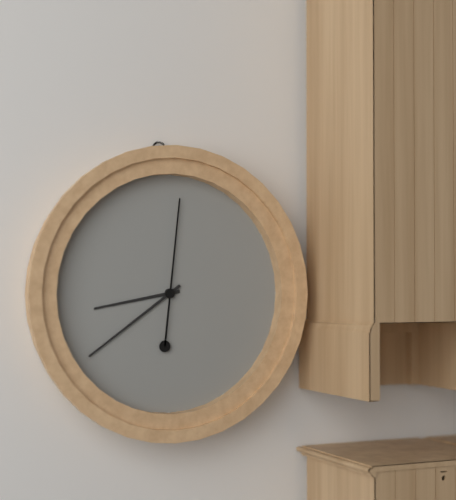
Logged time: 8 h 39 min 01 s
